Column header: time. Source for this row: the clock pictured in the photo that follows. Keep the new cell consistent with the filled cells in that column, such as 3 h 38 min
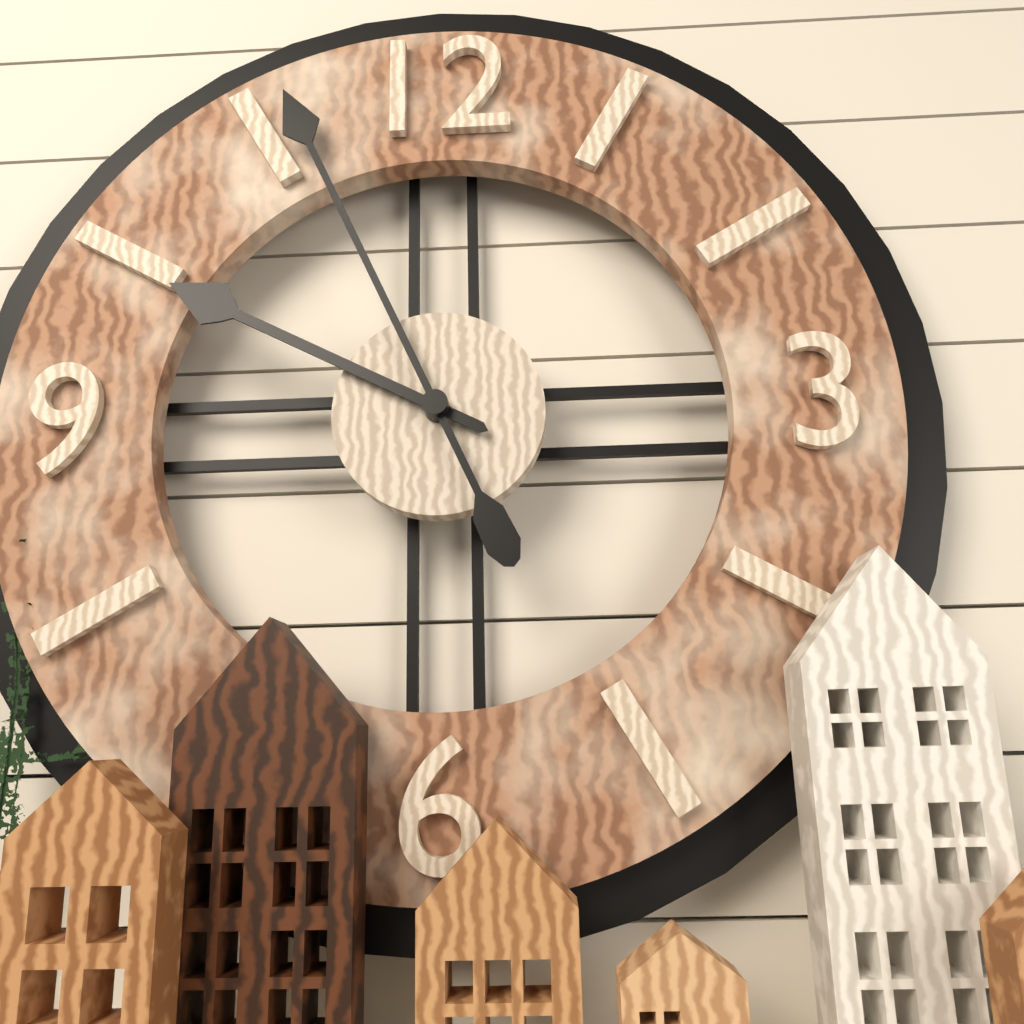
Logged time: 9 h 56 min
